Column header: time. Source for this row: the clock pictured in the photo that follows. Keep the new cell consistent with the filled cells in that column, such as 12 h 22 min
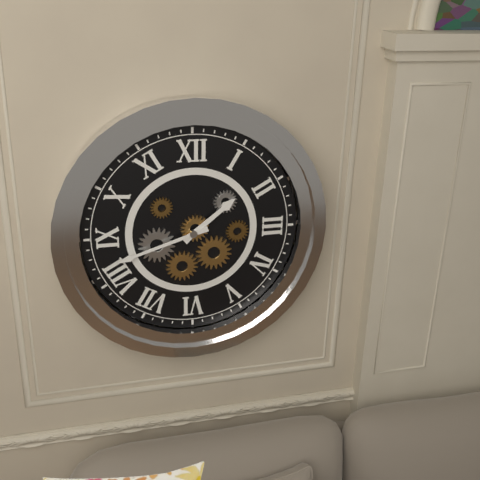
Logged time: 1 h 42 min
